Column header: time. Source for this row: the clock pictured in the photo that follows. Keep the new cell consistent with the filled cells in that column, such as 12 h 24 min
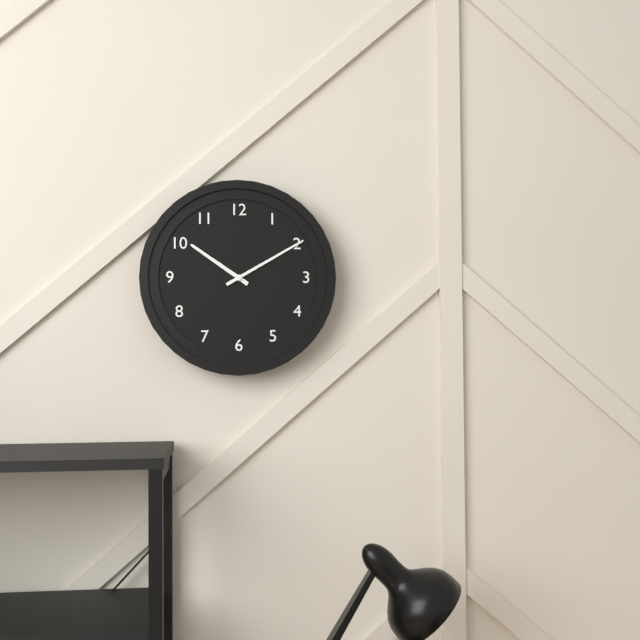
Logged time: 10 h 10 min
